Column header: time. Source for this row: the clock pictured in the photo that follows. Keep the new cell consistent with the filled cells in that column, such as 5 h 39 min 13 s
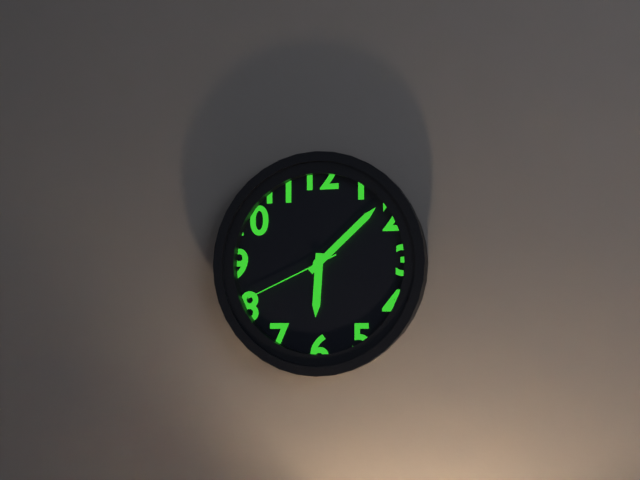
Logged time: 6 h 08 min 41 s
